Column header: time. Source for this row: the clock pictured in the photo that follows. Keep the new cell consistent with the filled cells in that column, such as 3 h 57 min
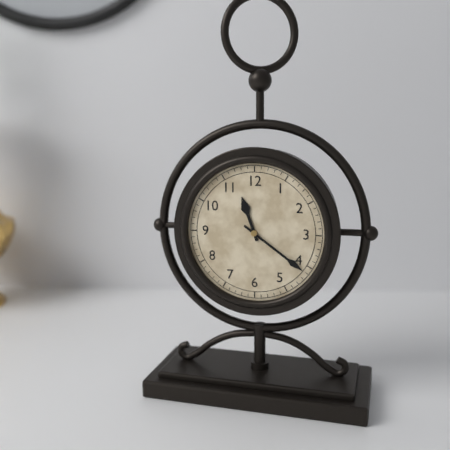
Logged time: 11 h 21 min
